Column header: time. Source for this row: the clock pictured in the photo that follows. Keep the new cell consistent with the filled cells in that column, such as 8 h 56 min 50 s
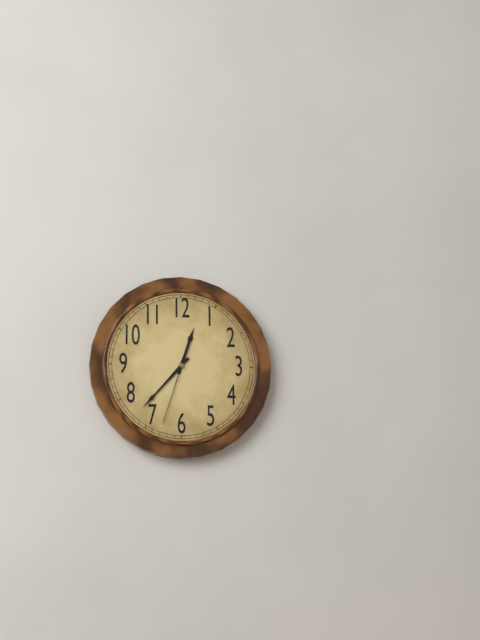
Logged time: 12 h 37 min 33 s
